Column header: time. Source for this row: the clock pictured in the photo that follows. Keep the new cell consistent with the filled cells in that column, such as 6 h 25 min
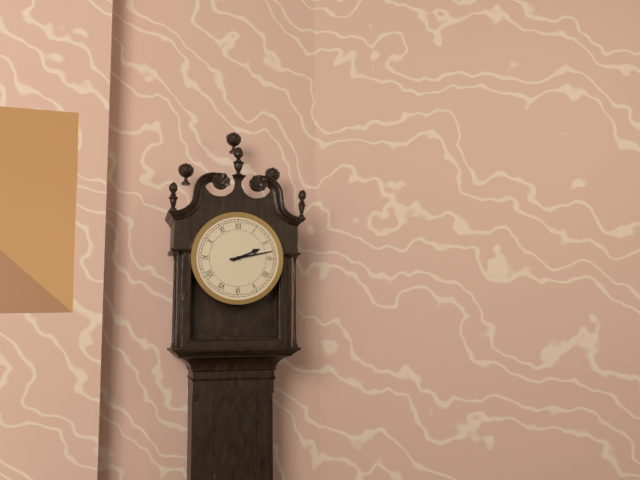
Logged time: 2 h 13 min
